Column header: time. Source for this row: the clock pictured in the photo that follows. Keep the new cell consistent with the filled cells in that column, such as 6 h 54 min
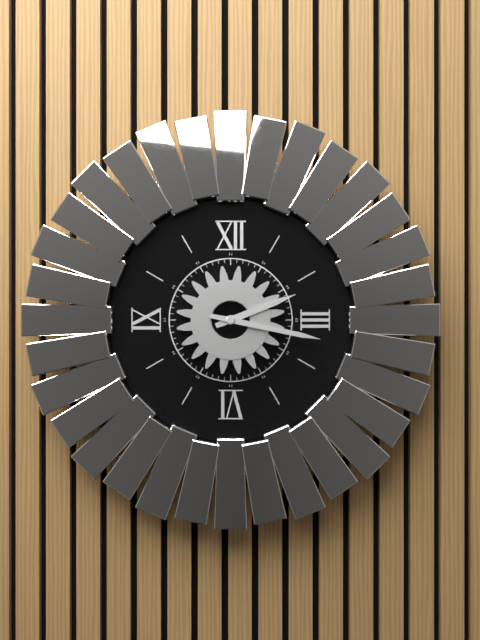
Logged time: 2 h 17 min
